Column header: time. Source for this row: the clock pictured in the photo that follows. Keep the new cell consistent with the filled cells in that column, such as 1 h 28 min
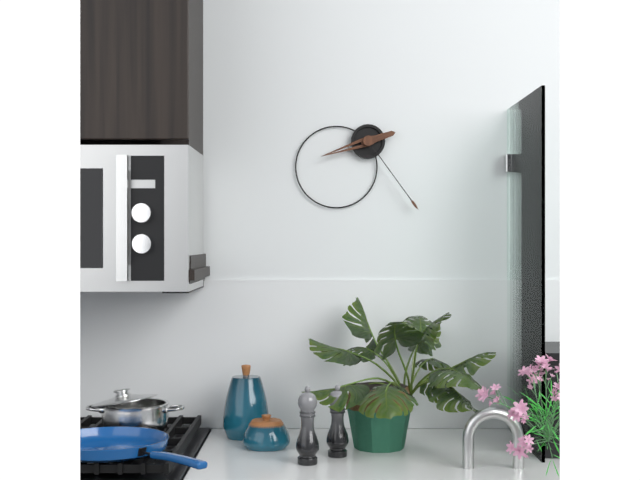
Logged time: 8 h 24 min
